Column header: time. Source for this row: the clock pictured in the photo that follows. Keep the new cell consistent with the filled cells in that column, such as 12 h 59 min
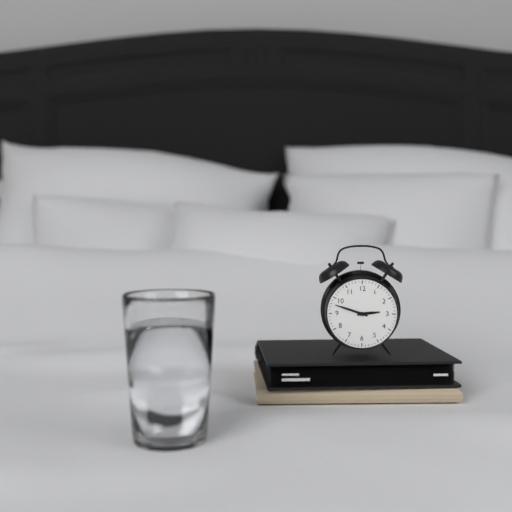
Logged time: 2 h 48 min
